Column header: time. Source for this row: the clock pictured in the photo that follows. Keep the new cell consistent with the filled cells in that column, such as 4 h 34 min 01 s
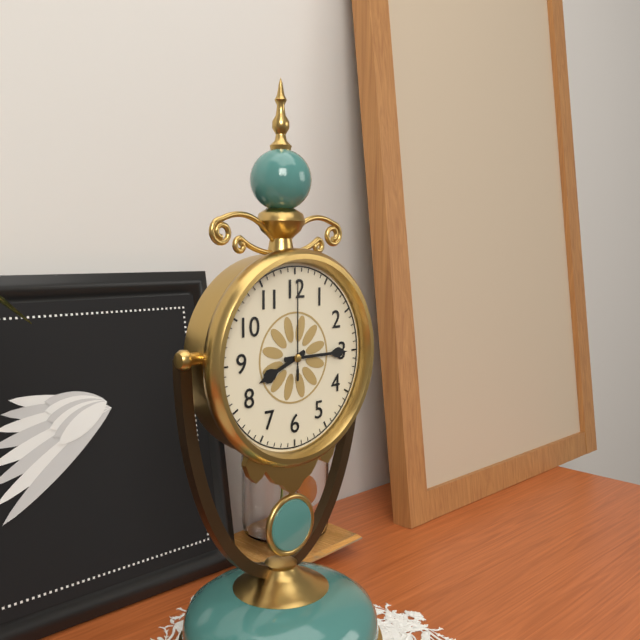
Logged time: 8 h 15 min 00 s
